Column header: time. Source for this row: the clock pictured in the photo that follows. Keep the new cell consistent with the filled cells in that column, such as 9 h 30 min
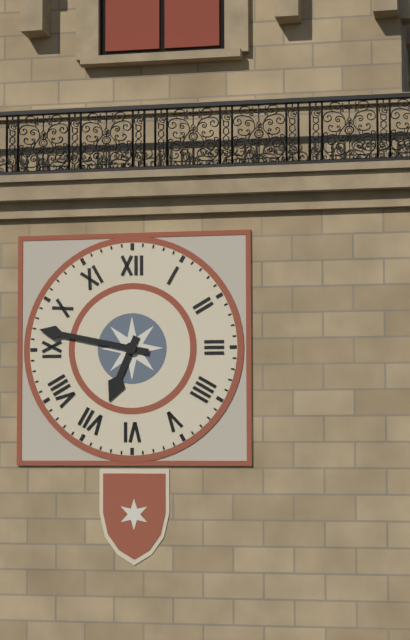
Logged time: 6 h 47 min
